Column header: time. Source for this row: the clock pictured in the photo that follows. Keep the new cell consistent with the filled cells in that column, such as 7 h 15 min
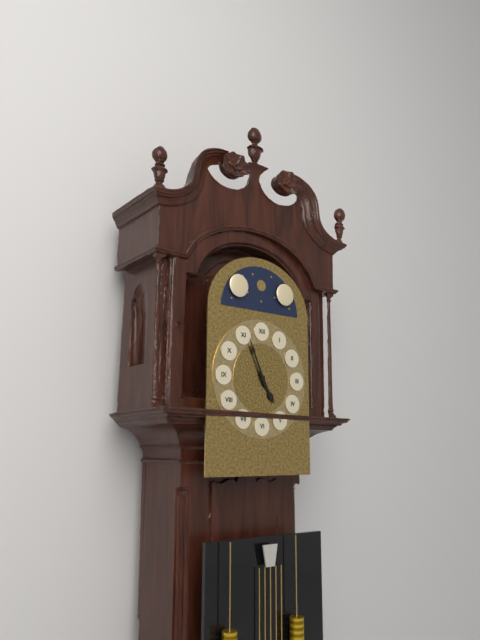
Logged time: 4 h 56 min
